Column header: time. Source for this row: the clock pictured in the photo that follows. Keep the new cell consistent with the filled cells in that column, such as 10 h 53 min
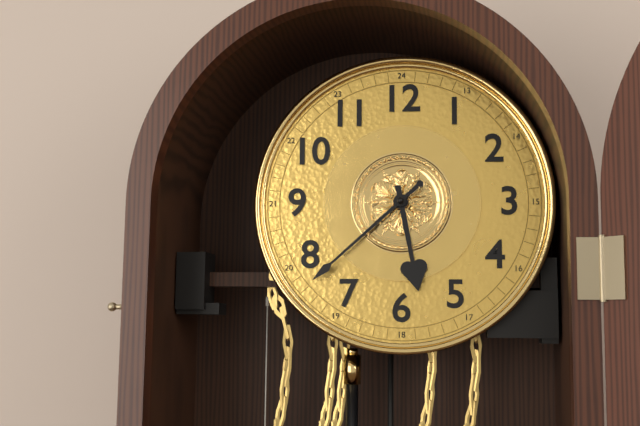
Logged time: 5 h 38 min
